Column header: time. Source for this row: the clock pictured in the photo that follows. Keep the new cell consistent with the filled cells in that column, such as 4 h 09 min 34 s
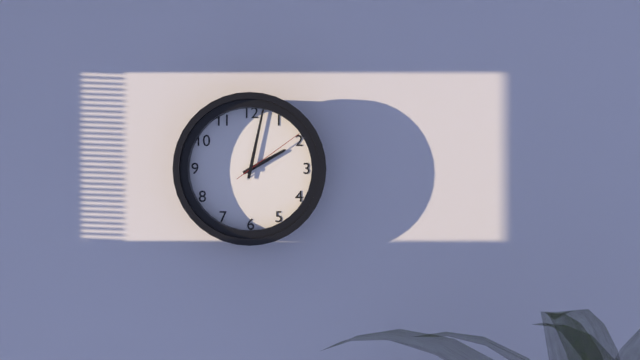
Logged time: 2 h 02 min 09 s
